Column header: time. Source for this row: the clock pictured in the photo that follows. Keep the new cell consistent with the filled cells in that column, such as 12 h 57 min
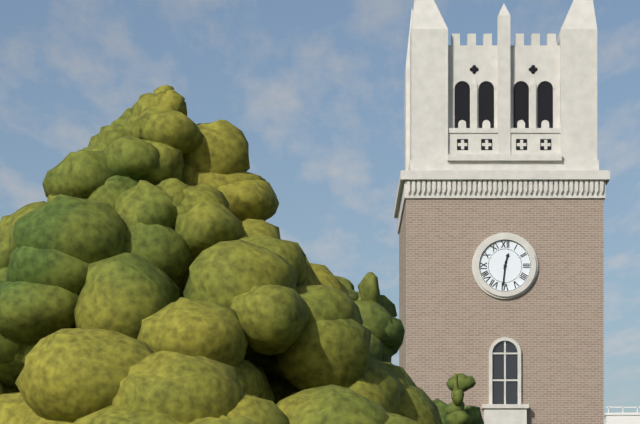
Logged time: 12 h 31 min
